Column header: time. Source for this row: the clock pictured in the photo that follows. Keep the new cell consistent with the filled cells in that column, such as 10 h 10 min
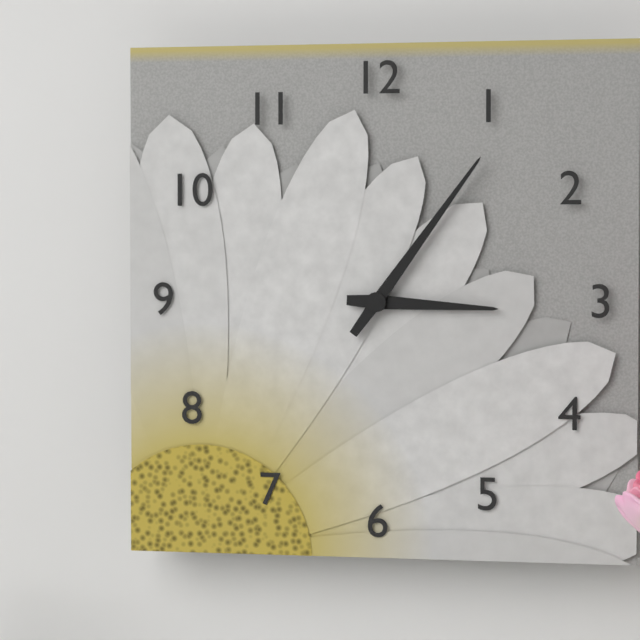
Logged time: 3 h 06 min
